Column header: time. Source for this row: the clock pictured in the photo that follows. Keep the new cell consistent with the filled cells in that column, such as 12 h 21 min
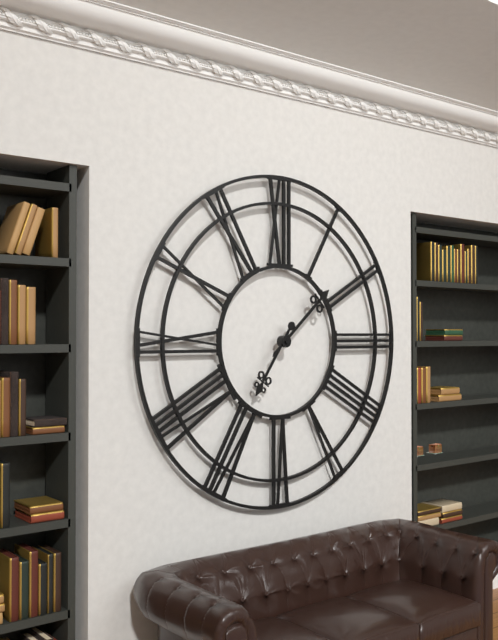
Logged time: 7 h 08 min
